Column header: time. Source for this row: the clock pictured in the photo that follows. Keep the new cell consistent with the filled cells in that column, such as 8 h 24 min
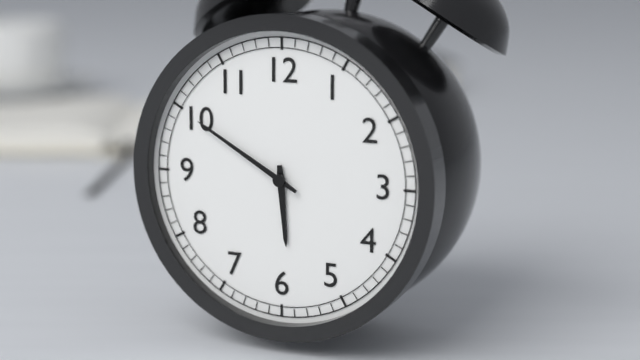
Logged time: 5 h 50 min
